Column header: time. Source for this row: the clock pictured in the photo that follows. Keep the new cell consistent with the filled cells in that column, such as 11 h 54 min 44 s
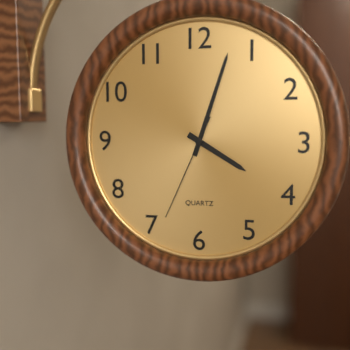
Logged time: 4 h 03 min 34 s
